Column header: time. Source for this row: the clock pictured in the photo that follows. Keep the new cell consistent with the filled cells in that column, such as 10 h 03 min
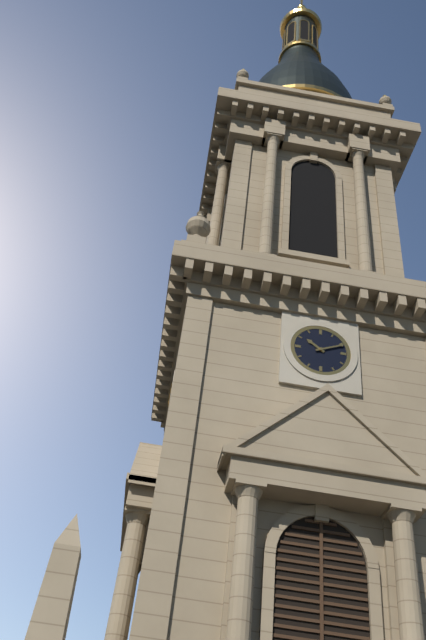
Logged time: 10 h 11 min
